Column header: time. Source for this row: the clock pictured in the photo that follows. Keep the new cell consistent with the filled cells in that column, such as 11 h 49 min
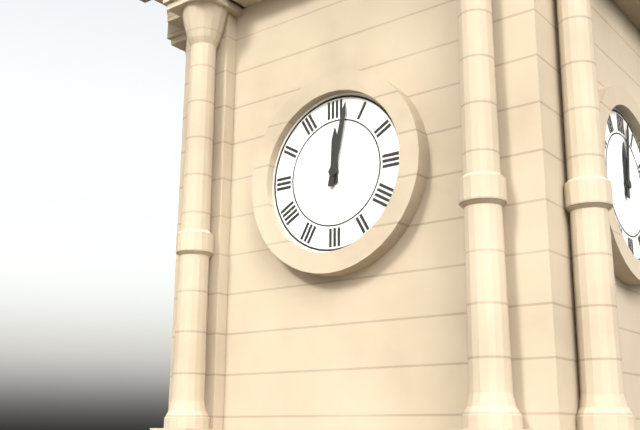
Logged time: 12 h 02 min
